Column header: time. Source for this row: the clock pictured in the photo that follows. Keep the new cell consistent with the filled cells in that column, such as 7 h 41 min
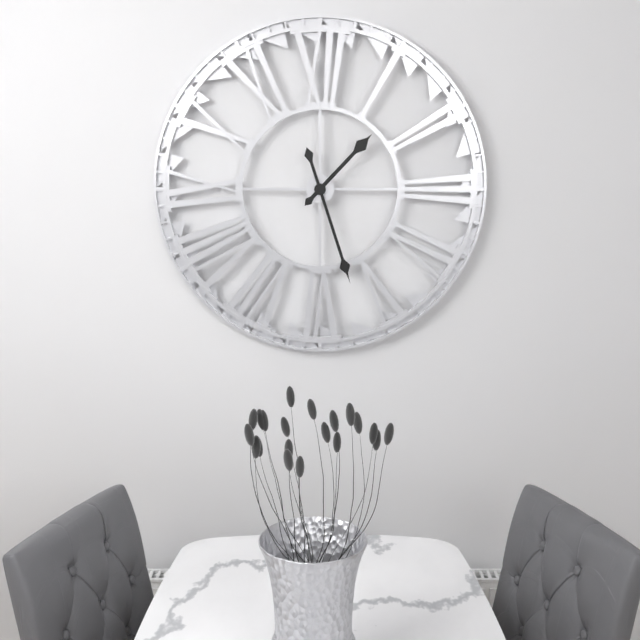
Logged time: 1 h 27 min
